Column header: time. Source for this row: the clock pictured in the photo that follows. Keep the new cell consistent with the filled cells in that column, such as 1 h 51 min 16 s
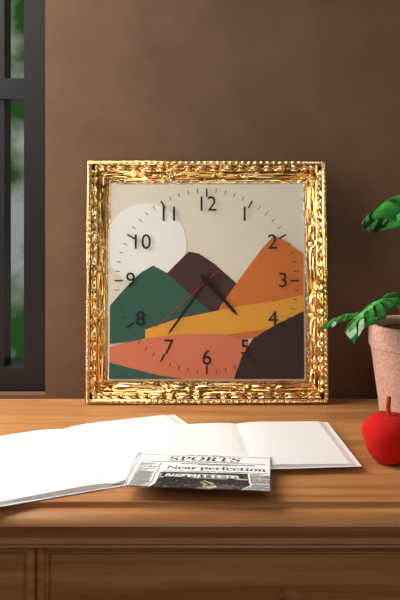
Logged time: 4 h 36 min 38 s
